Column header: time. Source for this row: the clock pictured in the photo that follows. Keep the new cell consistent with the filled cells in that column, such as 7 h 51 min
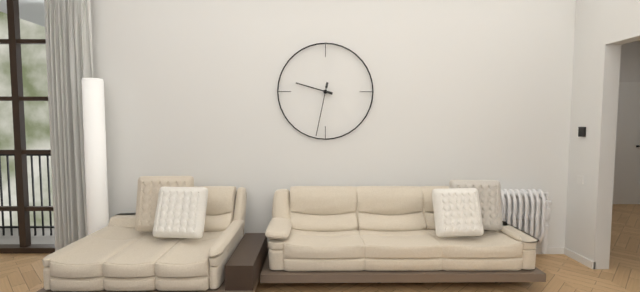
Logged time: 9 h 32 min
